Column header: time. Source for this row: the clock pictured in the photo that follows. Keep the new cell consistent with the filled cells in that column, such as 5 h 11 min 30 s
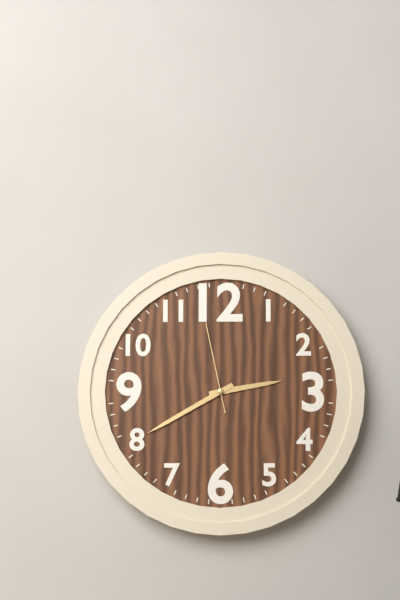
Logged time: 2 h 40 min 58 s
